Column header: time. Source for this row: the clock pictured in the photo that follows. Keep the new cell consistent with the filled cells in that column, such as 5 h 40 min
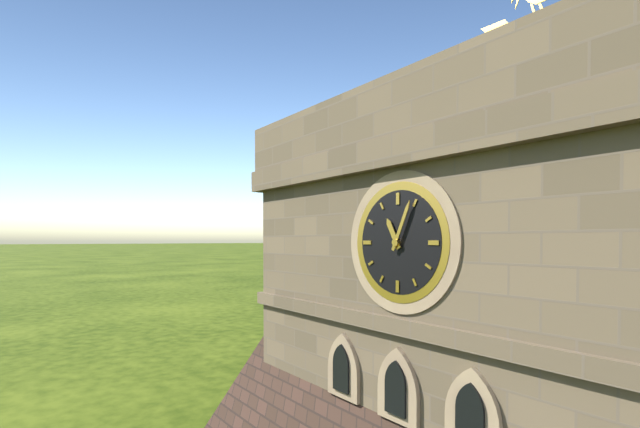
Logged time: 11 h 04 min
